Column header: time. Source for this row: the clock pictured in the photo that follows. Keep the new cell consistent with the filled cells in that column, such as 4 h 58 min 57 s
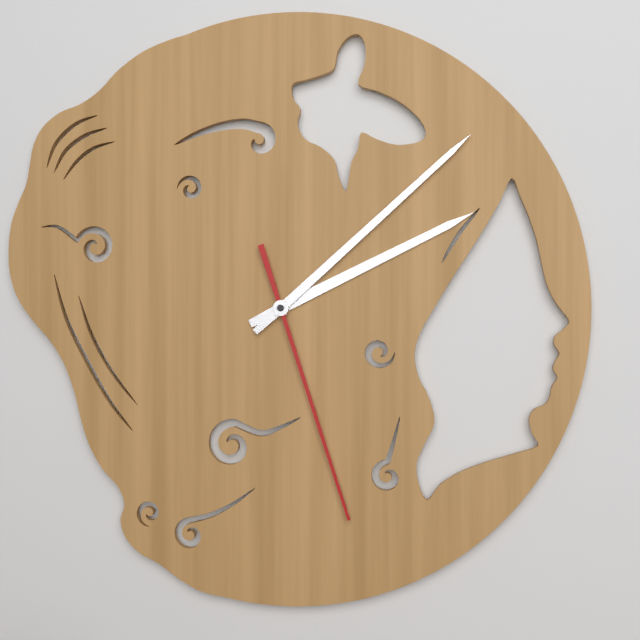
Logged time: 2 h 08 min 27 s
